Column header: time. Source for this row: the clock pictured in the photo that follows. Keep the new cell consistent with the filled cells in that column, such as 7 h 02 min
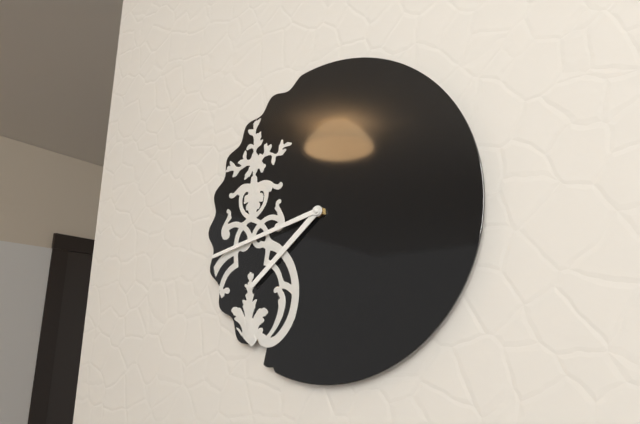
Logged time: 7 h 43 min
